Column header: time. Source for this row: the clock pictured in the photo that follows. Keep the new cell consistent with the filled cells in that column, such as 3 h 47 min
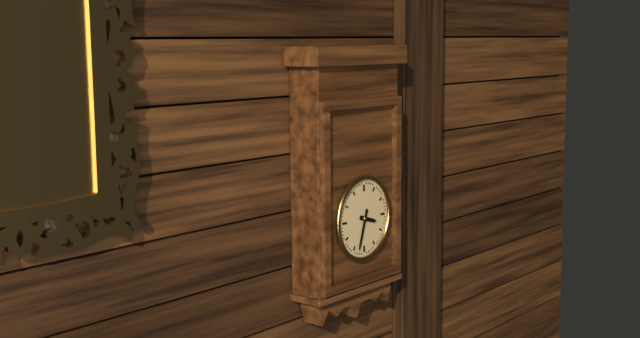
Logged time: 3 h 33 min
